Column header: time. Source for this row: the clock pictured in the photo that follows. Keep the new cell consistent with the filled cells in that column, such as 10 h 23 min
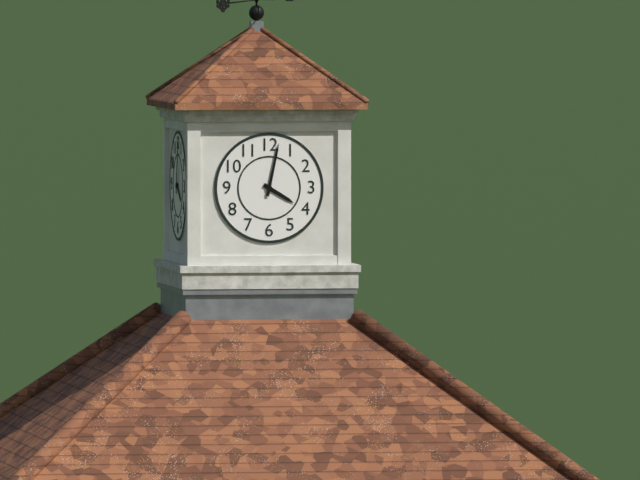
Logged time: 4 h 02 min
